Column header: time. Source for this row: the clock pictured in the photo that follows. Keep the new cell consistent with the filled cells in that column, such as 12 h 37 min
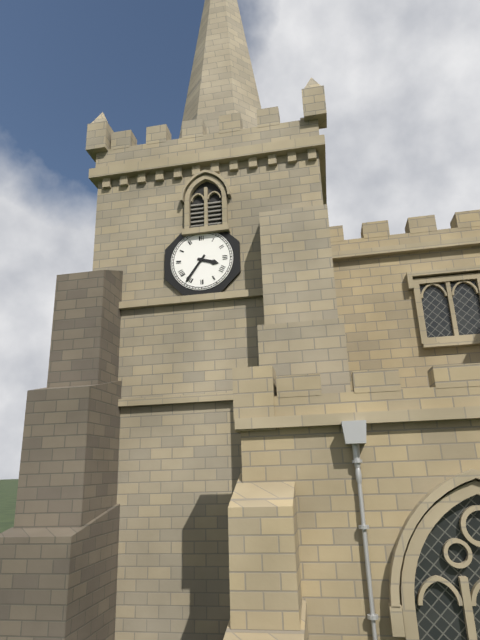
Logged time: 3 h 36 min
